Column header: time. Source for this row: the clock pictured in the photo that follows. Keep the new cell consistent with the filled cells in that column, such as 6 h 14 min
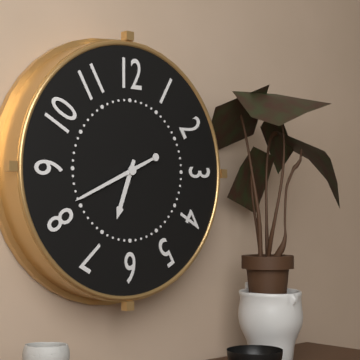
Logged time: 6 h 41 min
